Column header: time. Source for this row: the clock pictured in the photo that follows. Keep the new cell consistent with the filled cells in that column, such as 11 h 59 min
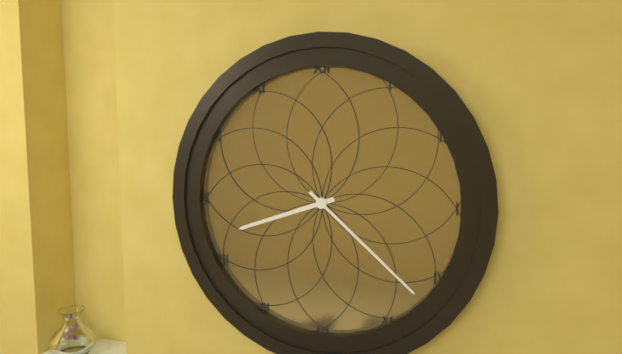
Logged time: 8 h 22 min
